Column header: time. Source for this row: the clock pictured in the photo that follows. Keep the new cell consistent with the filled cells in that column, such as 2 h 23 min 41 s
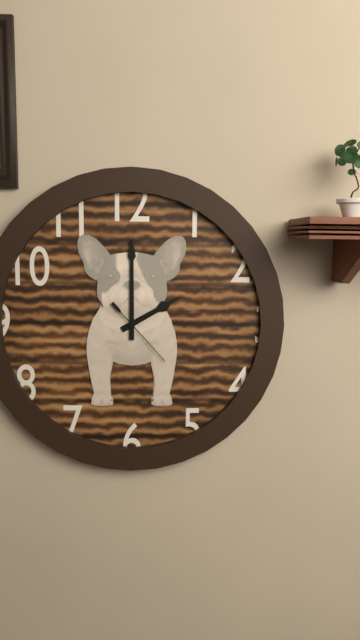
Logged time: 2 h 00 min 23 s
